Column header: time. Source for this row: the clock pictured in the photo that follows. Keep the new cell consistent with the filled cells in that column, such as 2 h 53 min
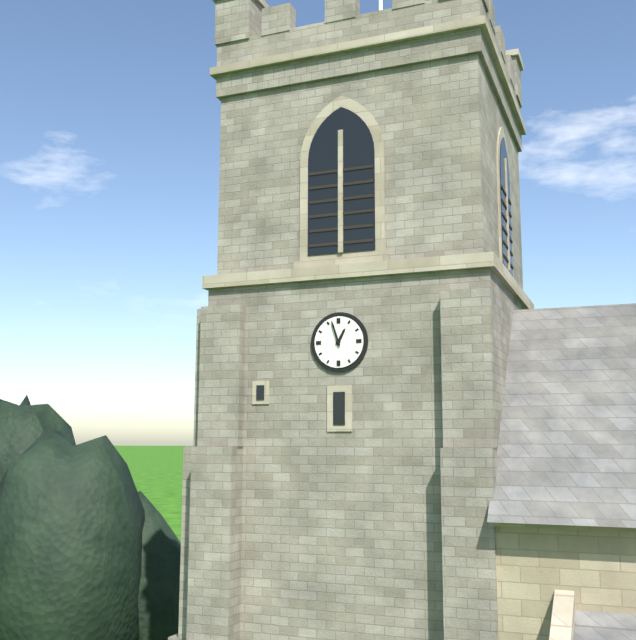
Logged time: 12 h 57 min
